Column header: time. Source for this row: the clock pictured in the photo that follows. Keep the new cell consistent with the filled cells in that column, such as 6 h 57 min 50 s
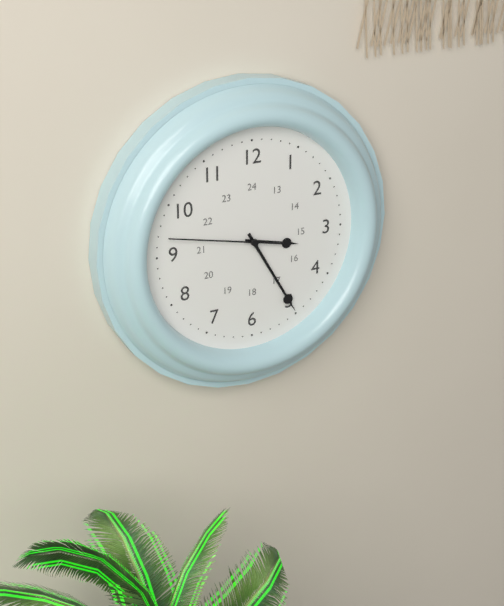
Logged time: 3 h 25 min 47 s
